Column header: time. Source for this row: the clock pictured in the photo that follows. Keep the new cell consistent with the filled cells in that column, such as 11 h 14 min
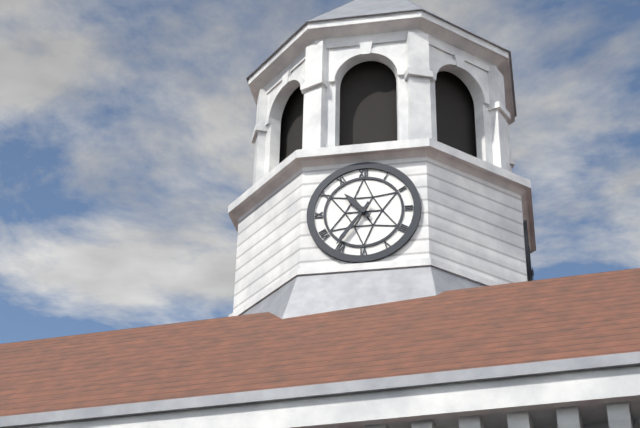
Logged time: 10 h 36 min
